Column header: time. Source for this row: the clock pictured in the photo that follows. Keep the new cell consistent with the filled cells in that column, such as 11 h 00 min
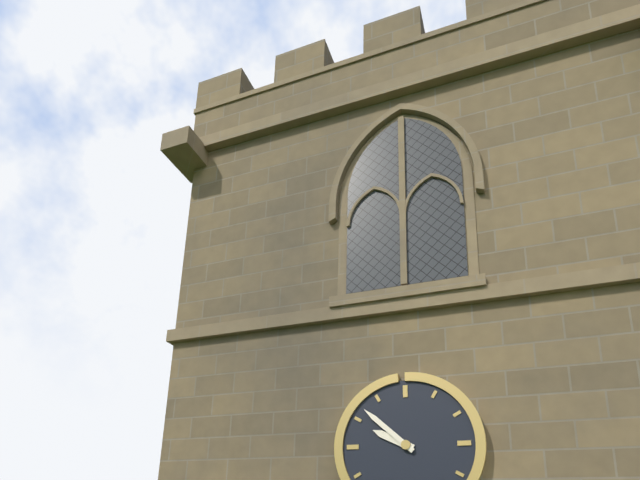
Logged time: 9 h 52 min
